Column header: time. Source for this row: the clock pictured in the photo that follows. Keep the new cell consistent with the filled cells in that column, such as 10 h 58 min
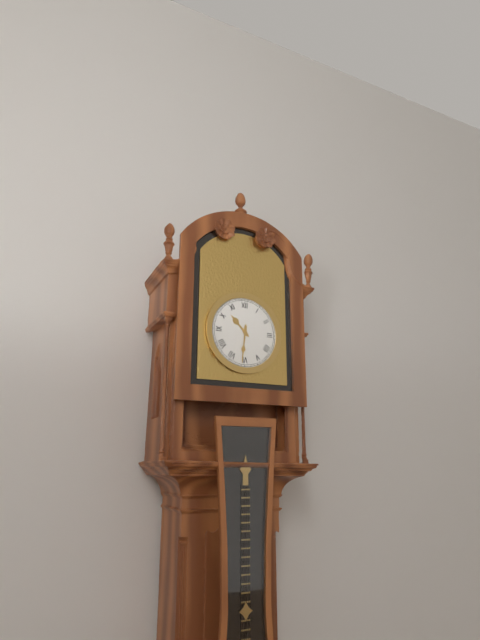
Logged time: 10 h 31 min
